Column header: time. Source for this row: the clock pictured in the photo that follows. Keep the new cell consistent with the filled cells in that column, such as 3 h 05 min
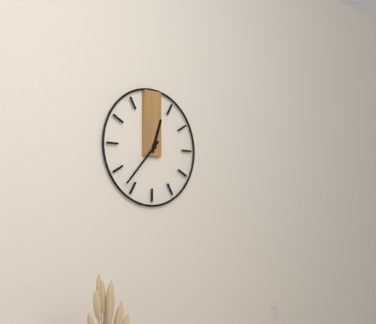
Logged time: 12 h 37 min
